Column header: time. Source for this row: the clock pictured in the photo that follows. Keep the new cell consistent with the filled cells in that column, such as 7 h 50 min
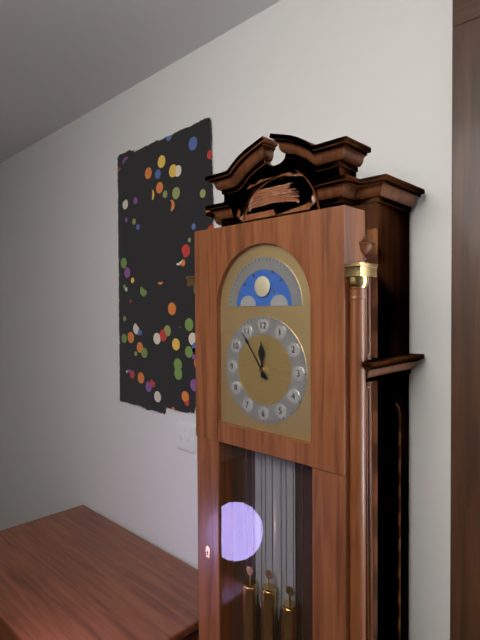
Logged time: 11 h 54 min
